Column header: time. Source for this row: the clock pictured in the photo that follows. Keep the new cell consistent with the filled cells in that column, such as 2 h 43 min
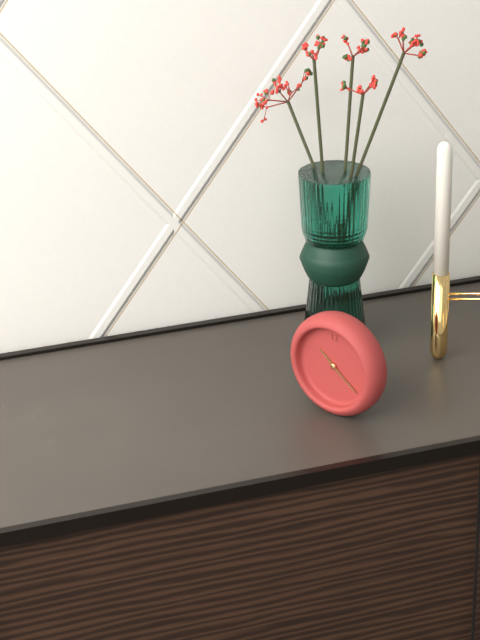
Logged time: 10 h 21 min
